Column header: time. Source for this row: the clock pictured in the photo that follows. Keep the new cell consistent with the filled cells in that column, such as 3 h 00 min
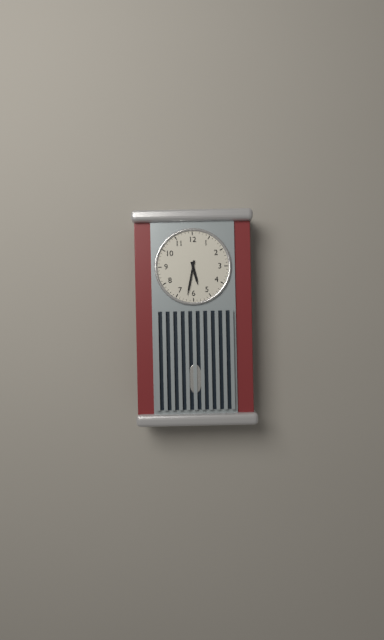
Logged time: 5 h 32 min
